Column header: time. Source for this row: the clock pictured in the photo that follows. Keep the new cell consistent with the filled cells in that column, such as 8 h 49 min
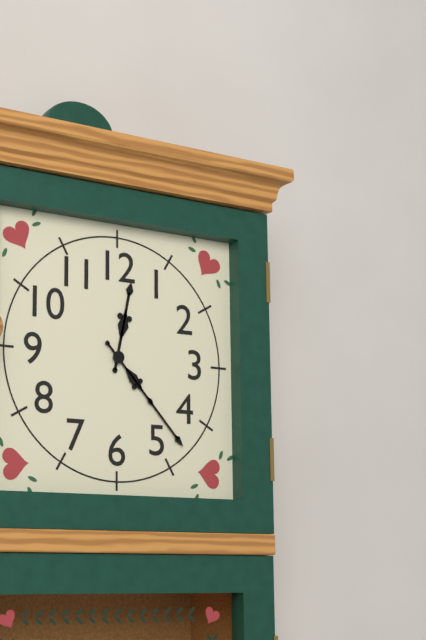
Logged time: 12 h 23 min
